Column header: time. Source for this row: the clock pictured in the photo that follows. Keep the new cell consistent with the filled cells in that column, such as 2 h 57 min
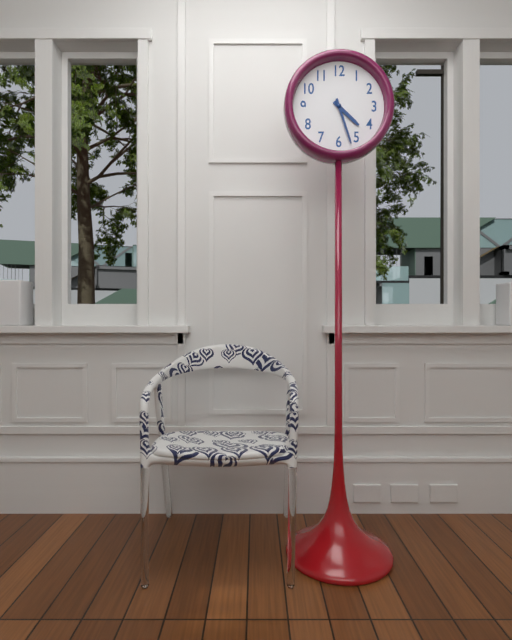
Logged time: 4 h 27 min
